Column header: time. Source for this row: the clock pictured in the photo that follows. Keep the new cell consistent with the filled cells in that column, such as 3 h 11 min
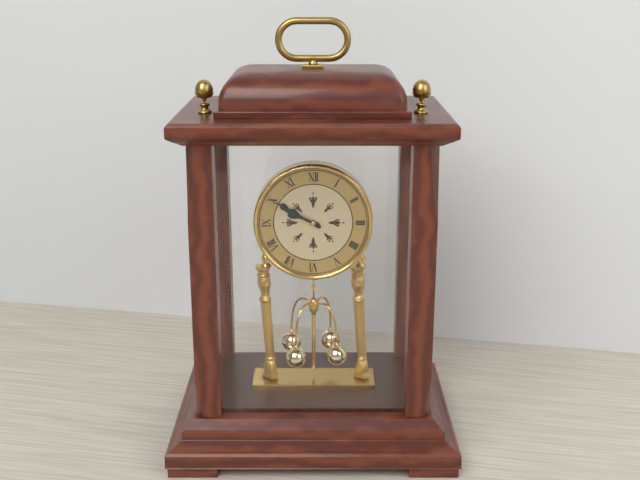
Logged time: 9 h 50 min
